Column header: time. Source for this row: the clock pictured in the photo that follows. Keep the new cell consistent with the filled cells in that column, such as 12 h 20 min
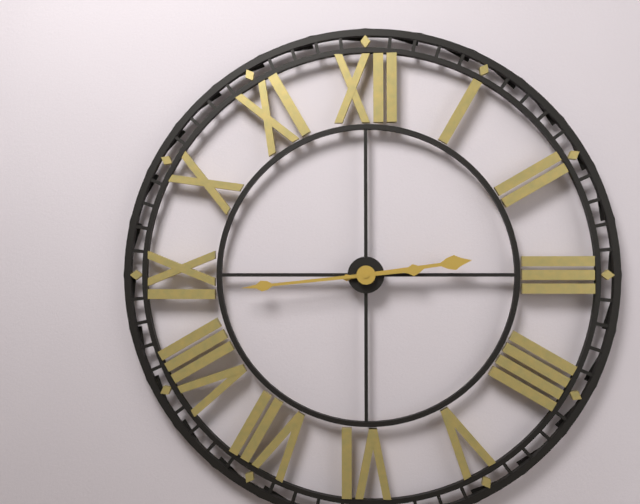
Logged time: 2 h 44 min
